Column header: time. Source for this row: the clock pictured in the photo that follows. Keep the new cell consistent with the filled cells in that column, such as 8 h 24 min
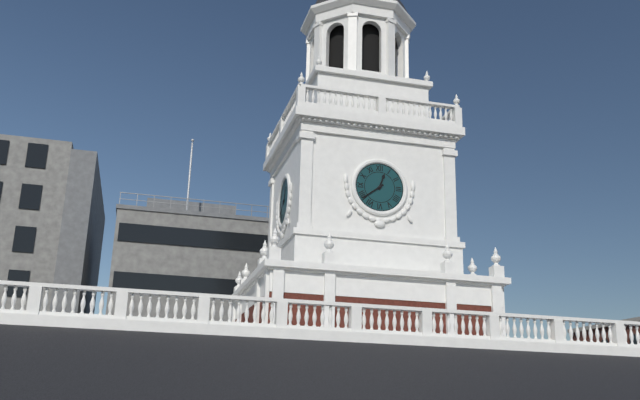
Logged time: 12 h 39 min
